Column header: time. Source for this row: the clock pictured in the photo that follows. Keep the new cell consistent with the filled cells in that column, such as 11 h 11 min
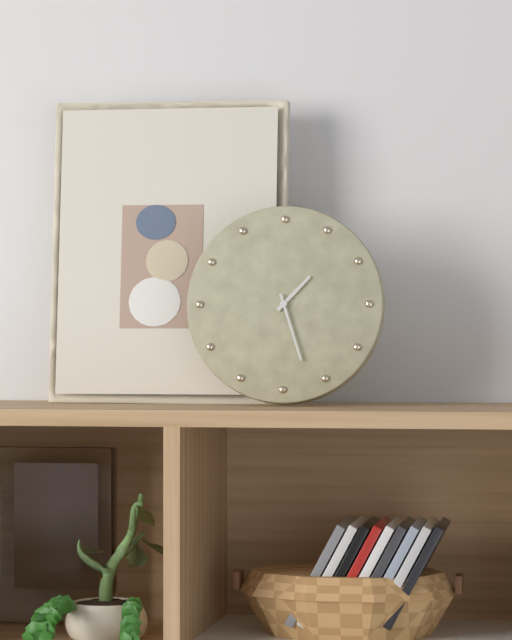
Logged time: 1 h 27 min
